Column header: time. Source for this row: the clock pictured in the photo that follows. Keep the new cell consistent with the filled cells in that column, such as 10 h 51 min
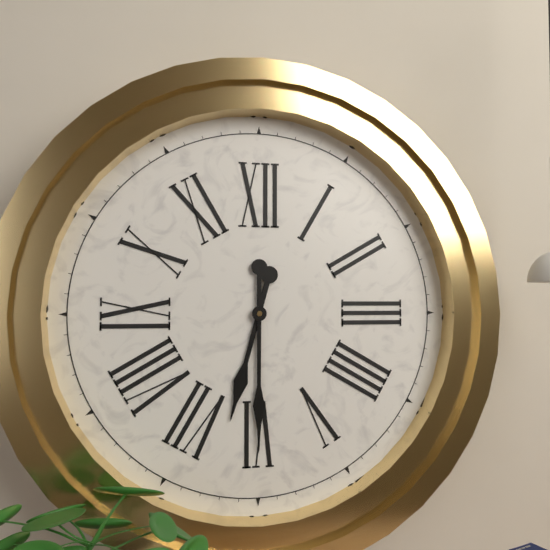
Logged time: 6 h 30 min
